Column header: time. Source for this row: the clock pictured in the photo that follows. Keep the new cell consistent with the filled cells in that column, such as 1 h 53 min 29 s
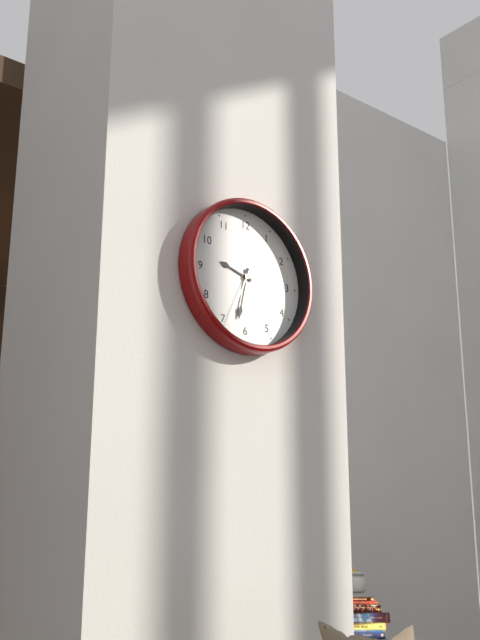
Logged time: 9 h 32 min 34 s
